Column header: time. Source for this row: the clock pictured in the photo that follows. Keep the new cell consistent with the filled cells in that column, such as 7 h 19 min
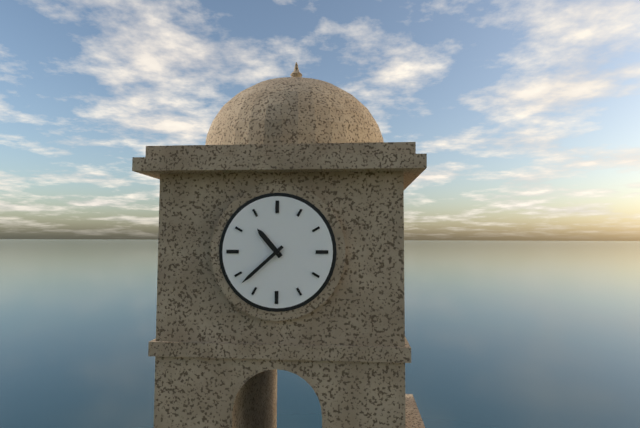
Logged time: 10 h 38 min
